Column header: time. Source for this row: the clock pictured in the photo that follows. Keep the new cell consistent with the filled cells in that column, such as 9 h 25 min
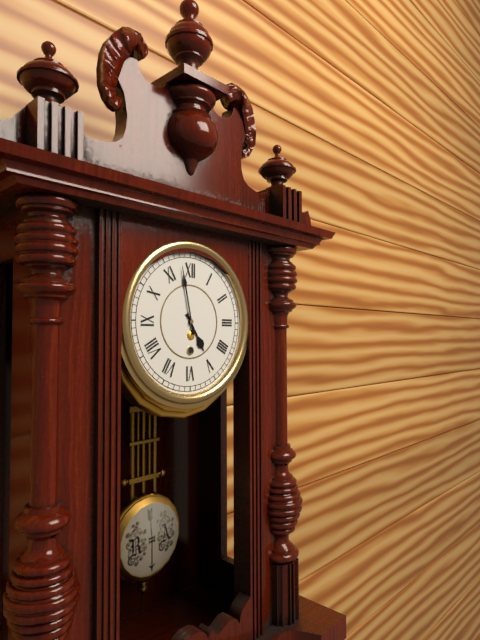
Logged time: 4 h 58 min
